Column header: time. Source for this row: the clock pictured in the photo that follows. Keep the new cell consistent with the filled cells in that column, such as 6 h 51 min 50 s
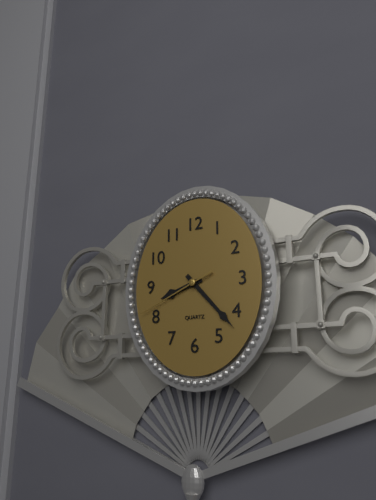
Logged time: 8 h 23 min 41 s
